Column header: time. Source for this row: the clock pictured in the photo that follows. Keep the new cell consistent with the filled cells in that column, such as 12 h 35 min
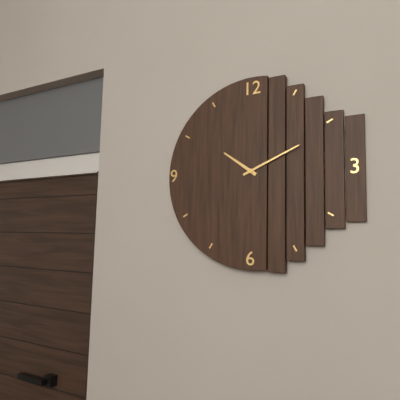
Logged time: 10 h 11 min
